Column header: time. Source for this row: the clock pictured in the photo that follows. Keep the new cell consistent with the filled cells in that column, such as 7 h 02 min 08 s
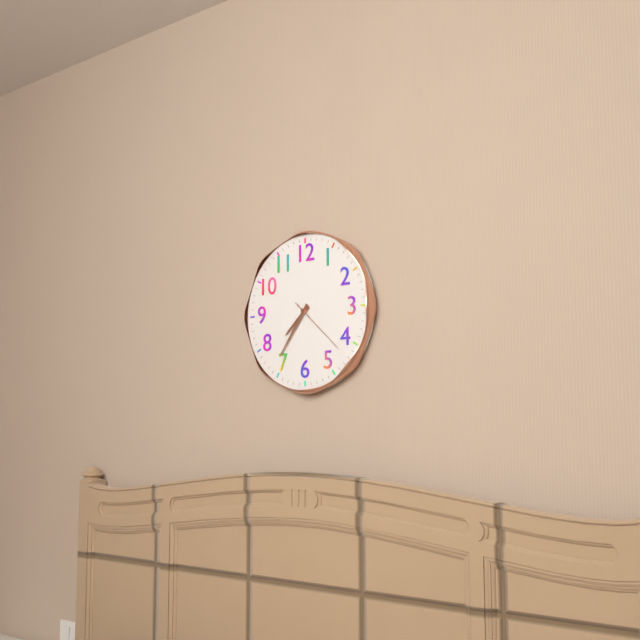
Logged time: 7 h 36 min 22 s
